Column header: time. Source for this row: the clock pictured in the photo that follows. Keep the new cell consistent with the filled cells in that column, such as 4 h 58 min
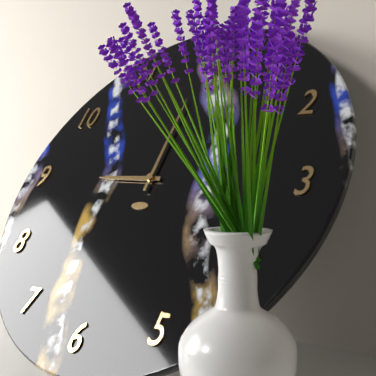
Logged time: 9 h 00 min
